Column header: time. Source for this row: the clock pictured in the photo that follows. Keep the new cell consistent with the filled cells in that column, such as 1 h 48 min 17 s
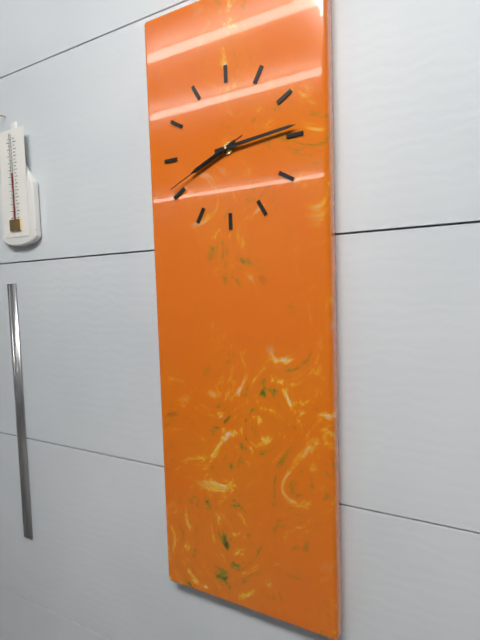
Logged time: 8 h 14 min 41 s
